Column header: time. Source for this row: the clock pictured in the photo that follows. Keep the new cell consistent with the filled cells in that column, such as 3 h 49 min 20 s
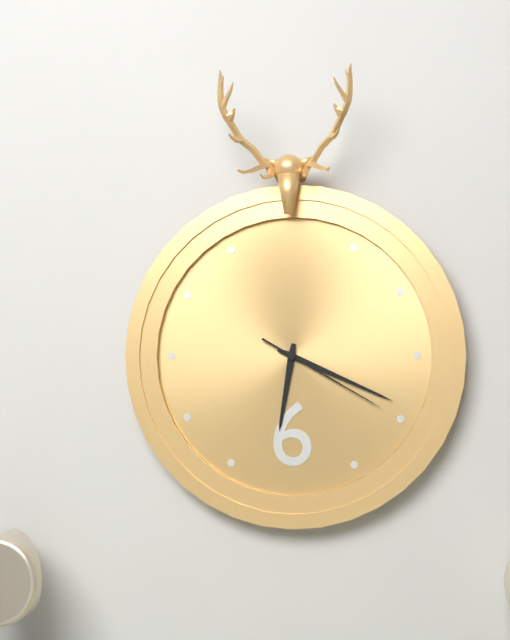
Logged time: 6 h 19 min 20 s
